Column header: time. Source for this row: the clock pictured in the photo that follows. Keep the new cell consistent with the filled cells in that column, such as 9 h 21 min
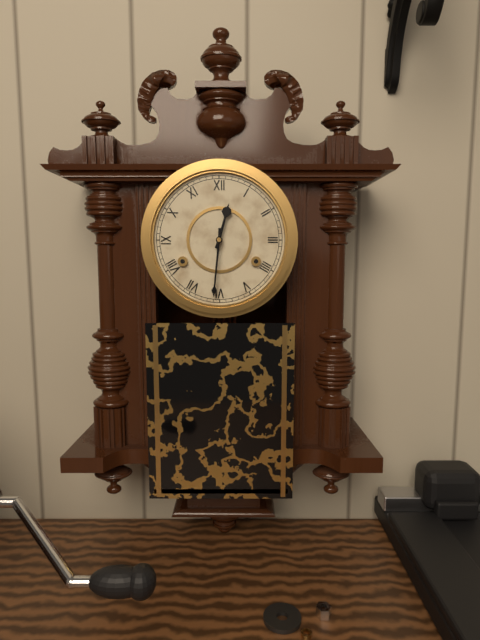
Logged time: 12 h 31 min
